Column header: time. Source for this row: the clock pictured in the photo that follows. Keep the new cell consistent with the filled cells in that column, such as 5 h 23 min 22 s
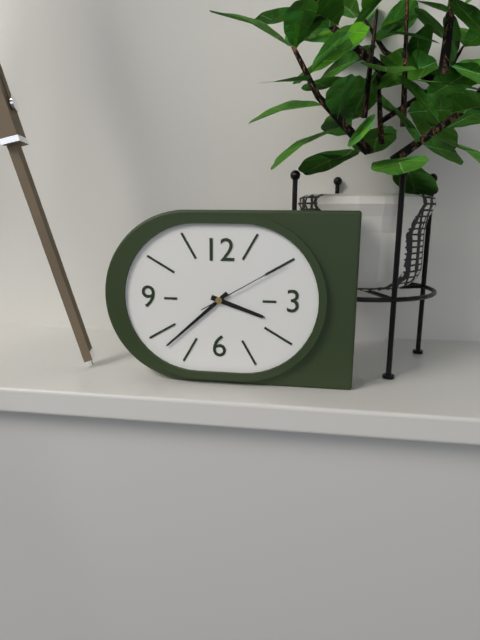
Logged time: 3 h 38 min 10 s
